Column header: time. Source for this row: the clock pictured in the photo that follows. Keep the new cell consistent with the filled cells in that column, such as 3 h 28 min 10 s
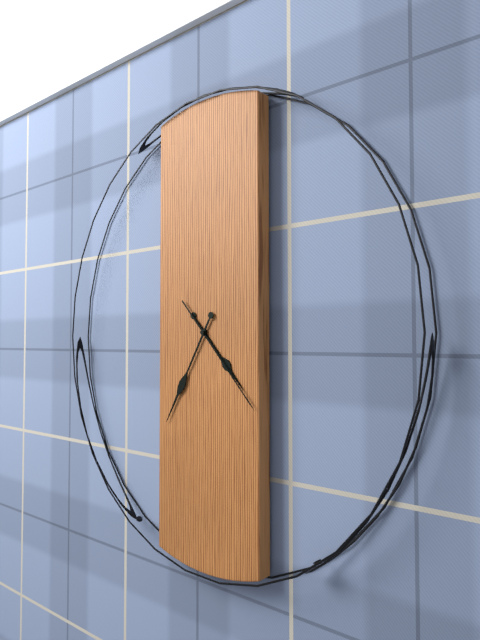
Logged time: 4 h 35 min 23 s
